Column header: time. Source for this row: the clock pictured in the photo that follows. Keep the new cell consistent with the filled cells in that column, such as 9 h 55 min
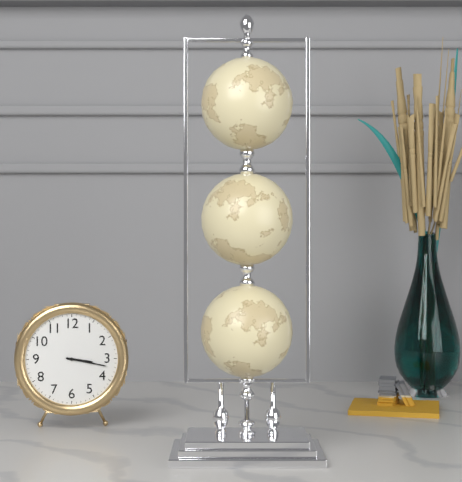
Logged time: 3 h 17 min
